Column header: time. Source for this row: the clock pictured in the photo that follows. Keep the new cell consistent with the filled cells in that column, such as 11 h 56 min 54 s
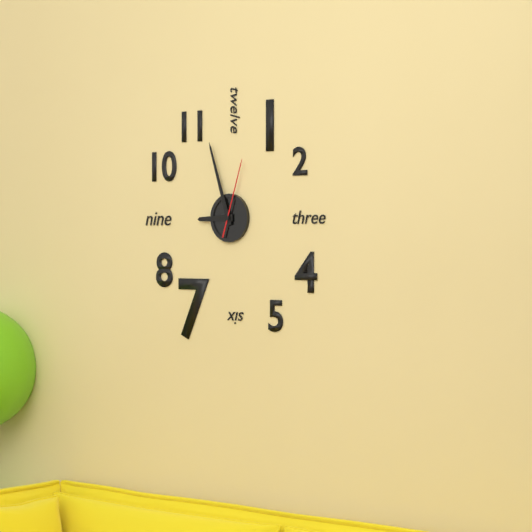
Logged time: 8 h 57 min 03 s
